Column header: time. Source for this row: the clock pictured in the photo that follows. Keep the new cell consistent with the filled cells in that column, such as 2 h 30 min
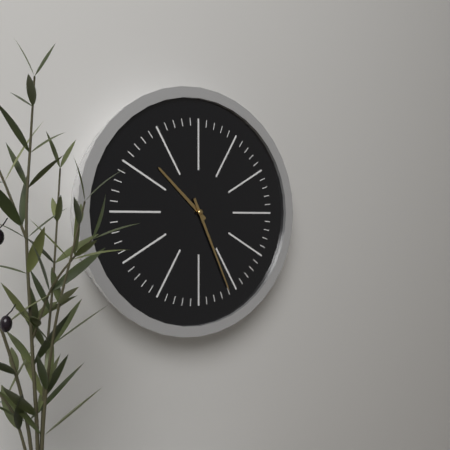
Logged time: 10 h 26 min
